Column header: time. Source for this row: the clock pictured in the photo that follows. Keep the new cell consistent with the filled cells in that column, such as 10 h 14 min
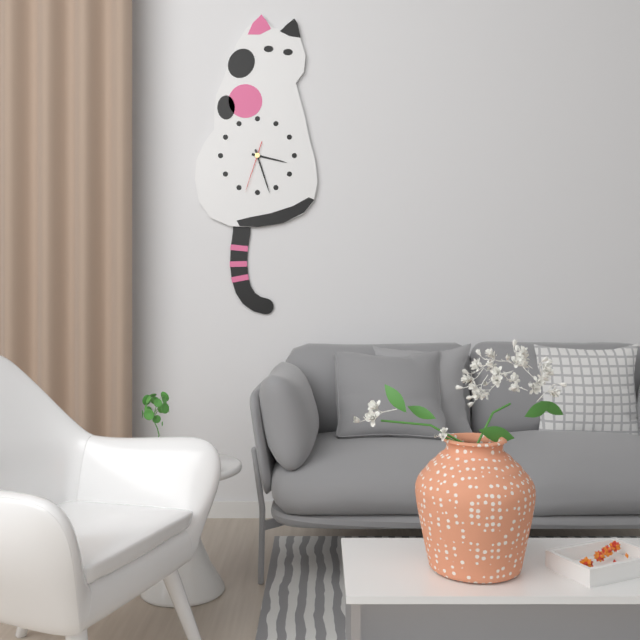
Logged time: 3 h 27 min
